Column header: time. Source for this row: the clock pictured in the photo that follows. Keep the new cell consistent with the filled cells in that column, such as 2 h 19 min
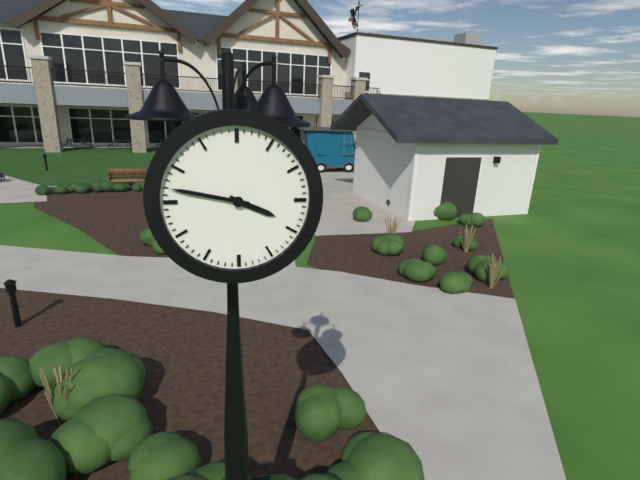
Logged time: 3 h 47 min
